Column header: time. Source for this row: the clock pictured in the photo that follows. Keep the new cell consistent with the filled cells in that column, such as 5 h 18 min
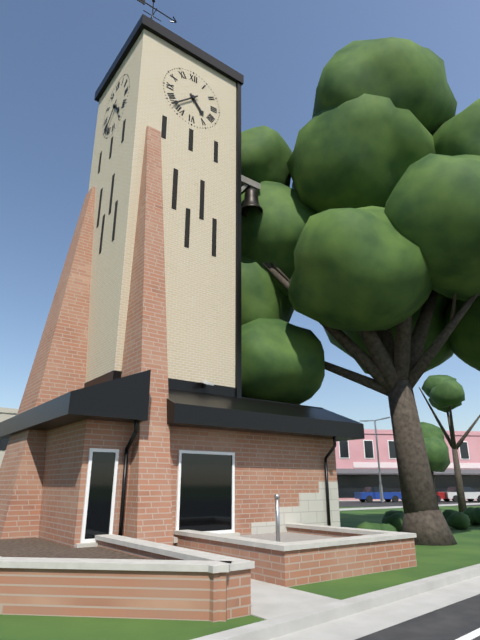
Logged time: 4 h 38 min
